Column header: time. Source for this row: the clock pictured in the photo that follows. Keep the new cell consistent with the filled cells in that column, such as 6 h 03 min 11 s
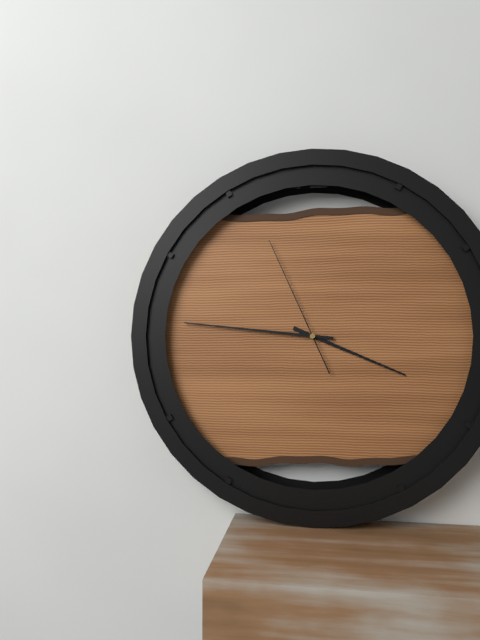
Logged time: 3 h 46 min 56 s
